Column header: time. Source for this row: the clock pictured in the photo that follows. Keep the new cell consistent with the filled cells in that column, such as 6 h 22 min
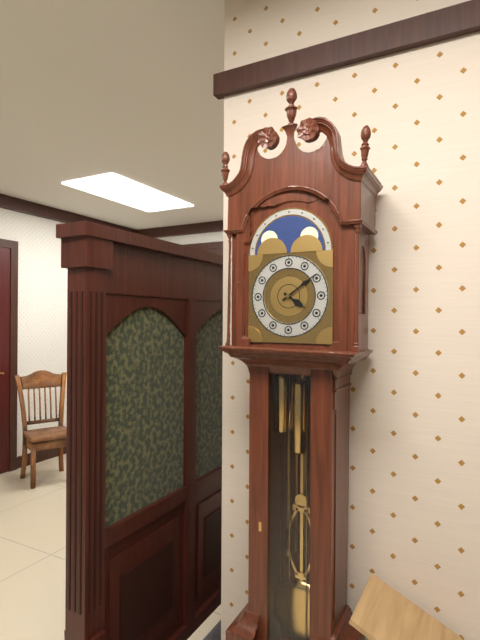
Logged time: 4 h 09 min
